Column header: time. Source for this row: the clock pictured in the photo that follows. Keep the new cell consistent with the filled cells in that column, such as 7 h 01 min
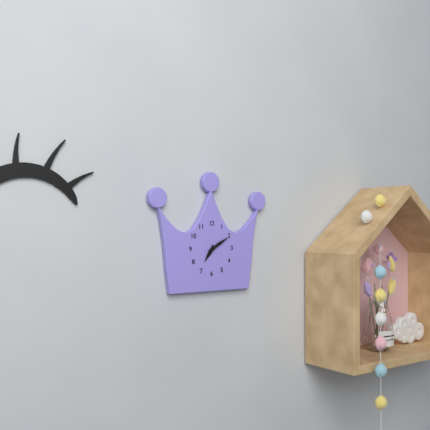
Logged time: 7 h 10 min
